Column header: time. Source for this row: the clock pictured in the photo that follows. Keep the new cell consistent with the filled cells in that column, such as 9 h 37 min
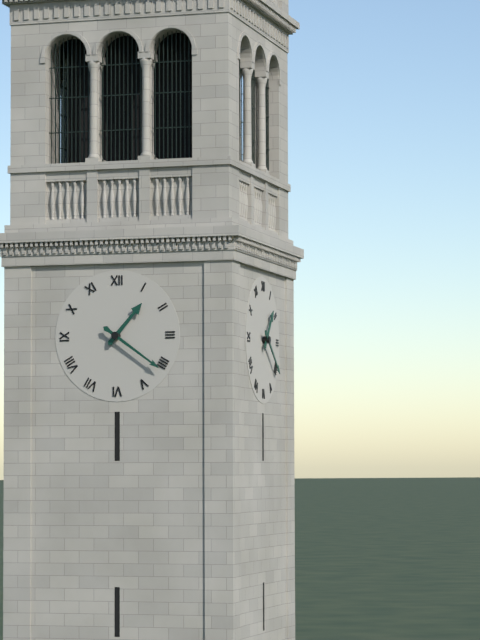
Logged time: 1 h 21 min
